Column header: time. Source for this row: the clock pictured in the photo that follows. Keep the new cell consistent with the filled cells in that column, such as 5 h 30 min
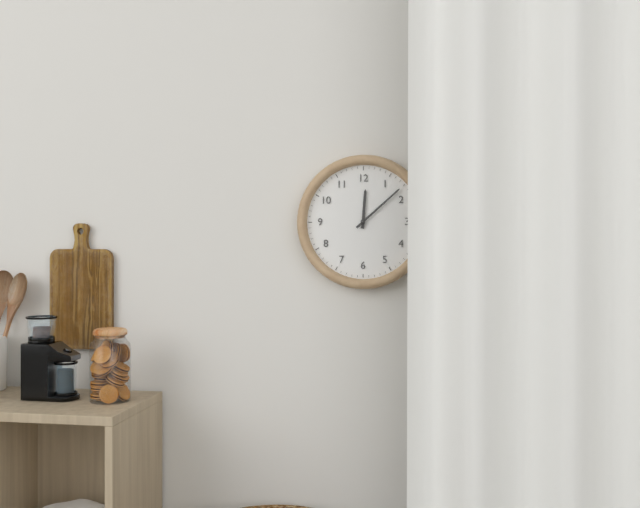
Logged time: 12 h 08 min
